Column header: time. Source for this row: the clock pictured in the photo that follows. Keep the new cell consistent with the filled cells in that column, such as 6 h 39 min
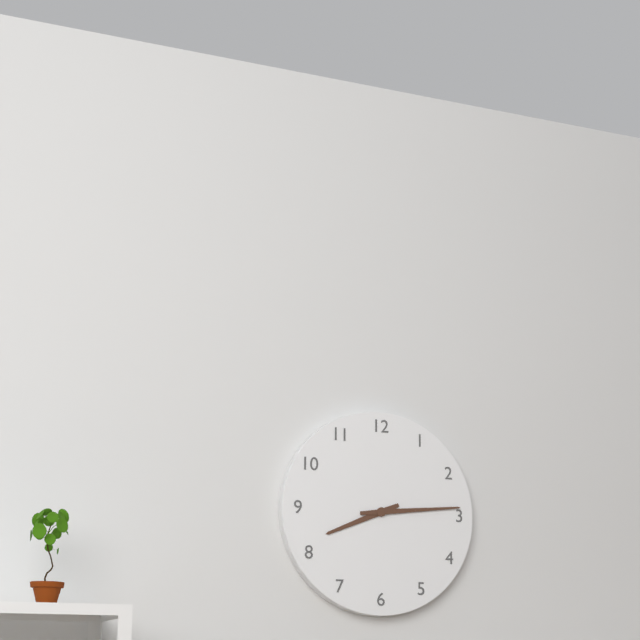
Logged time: 8 h 14 min
